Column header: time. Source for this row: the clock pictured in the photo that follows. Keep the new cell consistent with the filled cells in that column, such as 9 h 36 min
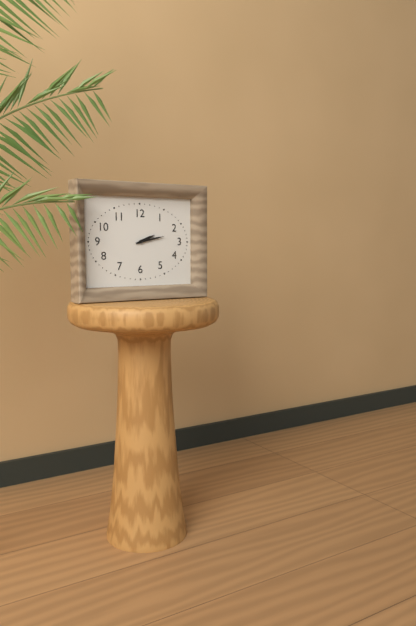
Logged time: 2 h 13 min
